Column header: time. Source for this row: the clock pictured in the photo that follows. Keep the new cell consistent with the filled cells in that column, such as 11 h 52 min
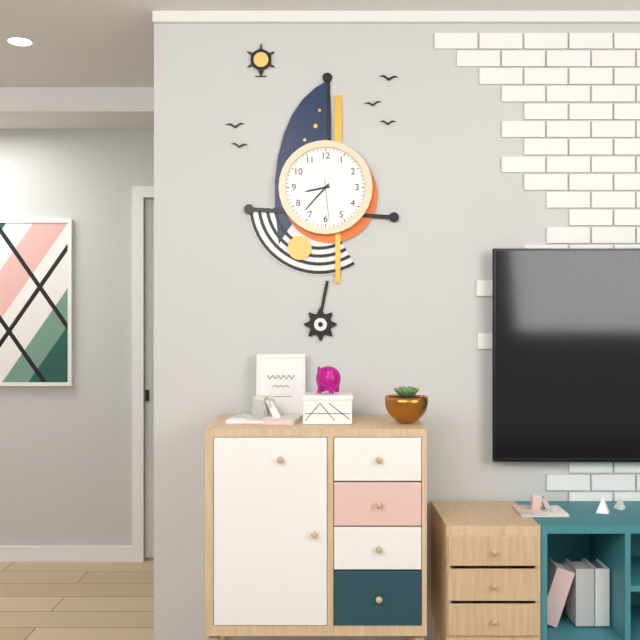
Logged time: 8 h 37 min
